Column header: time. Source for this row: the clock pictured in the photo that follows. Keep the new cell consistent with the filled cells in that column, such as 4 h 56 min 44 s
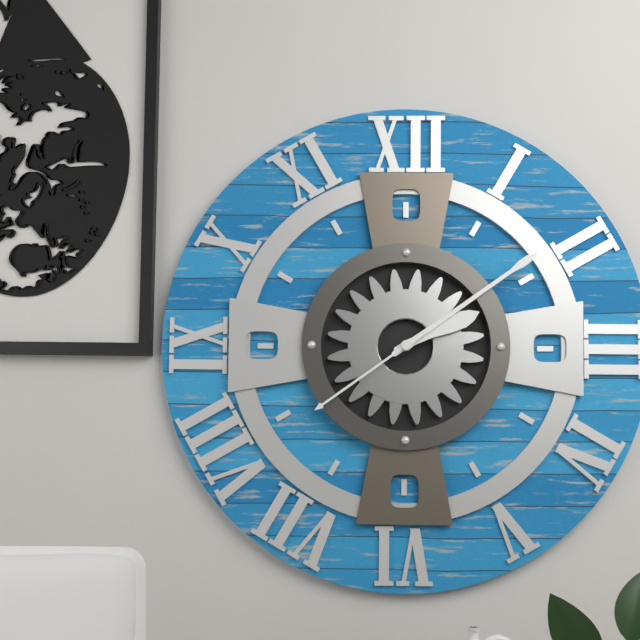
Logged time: 2 h 09 min 39 s
